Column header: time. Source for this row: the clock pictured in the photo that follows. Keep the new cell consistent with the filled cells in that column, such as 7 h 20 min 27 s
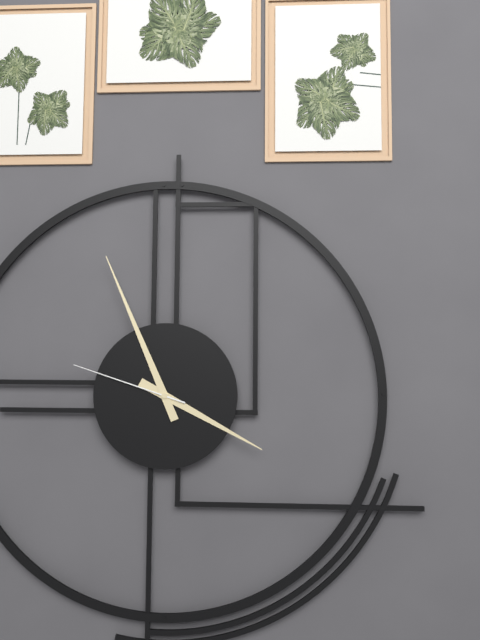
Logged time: 3 h 56 min 48 s
